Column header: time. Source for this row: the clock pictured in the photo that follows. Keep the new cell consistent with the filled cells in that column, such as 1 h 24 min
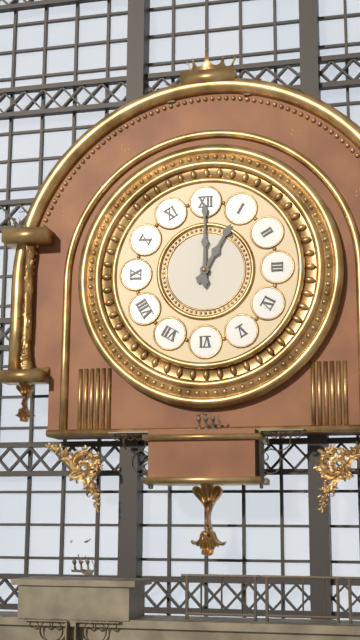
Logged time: 1 h 00 min
